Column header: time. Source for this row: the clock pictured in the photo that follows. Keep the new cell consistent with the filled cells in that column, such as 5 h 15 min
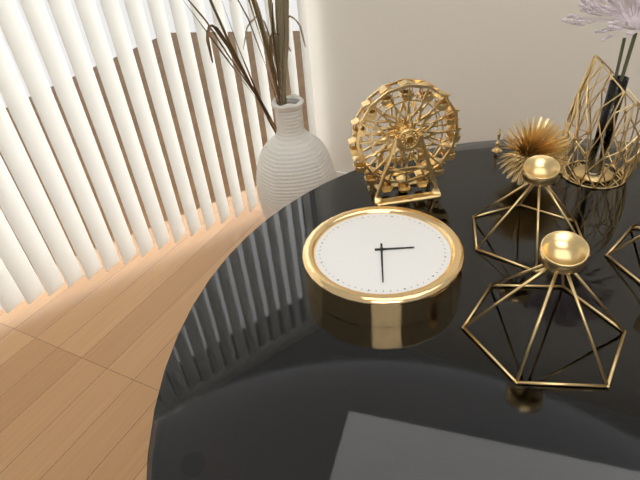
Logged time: 2 h 28 min
